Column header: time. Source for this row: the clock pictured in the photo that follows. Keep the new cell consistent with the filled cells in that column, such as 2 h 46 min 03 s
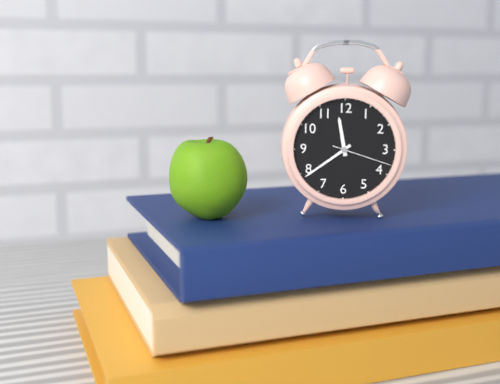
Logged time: 11 h 39 min 18 s
